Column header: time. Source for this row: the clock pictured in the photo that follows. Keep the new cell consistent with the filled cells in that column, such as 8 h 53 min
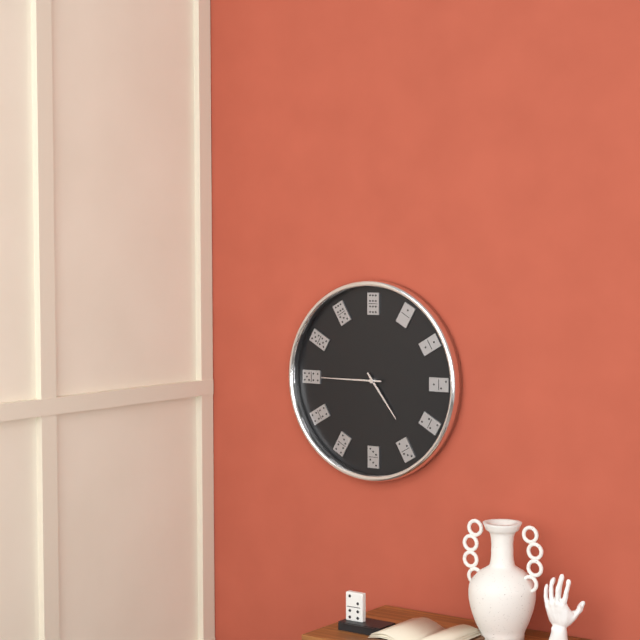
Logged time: 4 h 45 min
